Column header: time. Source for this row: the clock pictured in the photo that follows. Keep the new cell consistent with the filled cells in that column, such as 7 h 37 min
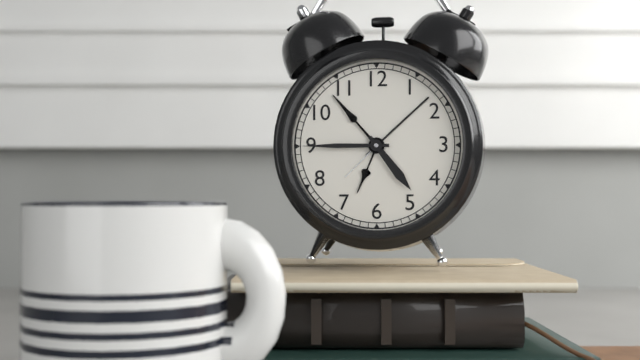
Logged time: 4 h 45 min
